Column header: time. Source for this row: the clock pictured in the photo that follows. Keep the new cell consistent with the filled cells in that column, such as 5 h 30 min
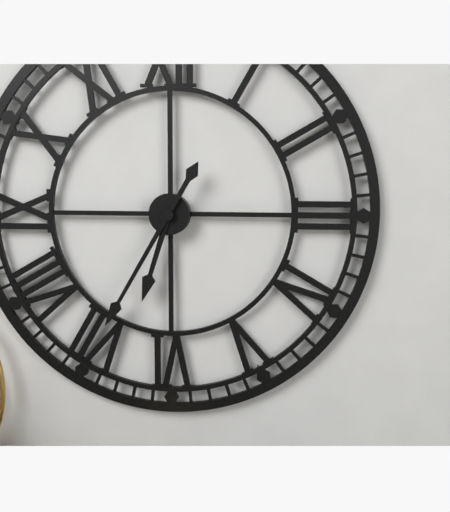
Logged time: 6 h 35 min
